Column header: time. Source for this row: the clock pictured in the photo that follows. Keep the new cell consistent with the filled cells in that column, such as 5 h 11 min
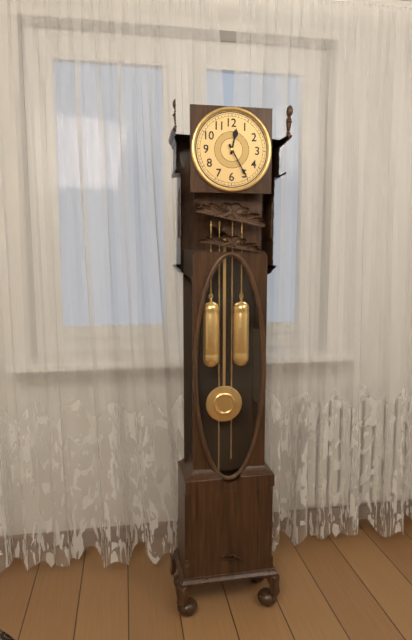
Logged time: 12 h 25 min
